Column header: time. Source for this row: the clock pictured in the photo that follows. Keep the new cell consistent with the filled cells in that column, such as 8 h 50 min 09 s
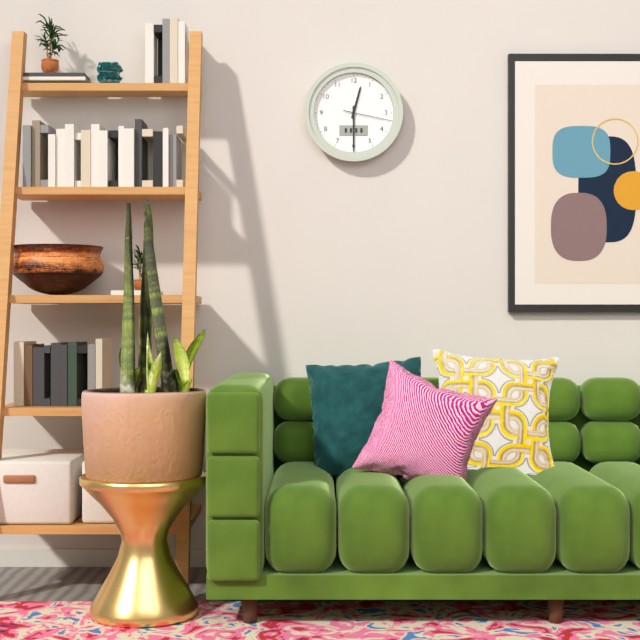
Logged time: 12 h 30 min 17 s
